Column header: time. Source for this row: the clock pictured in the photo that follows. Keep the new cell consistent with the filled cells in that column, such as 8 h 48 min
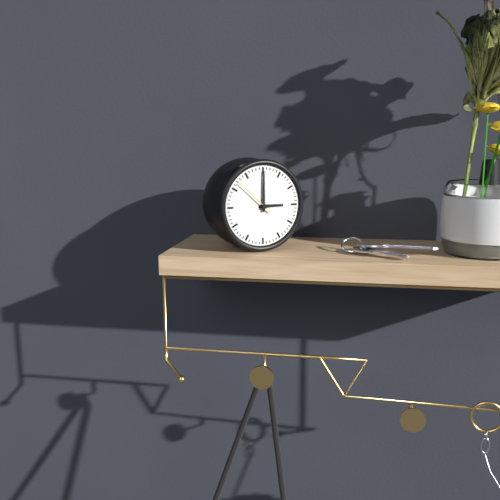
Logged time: 3 h 00 min
